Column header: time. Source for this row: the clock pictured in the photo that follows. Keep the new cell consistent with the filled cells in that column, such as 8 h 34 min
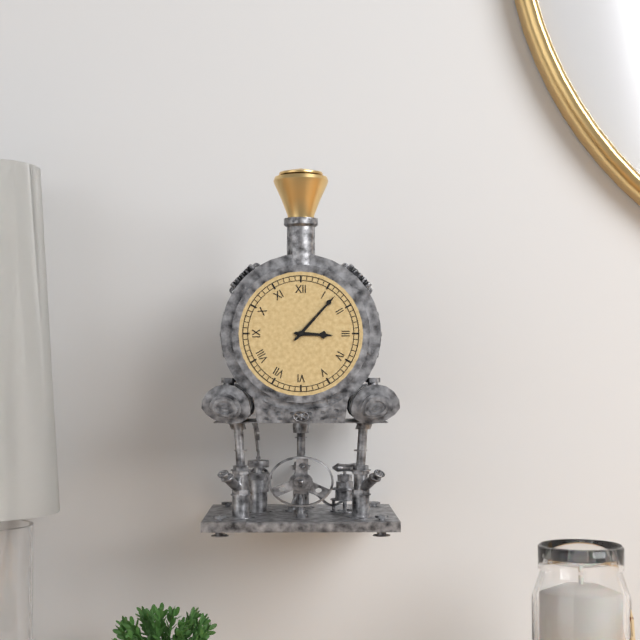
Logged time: 3 h 07 min
